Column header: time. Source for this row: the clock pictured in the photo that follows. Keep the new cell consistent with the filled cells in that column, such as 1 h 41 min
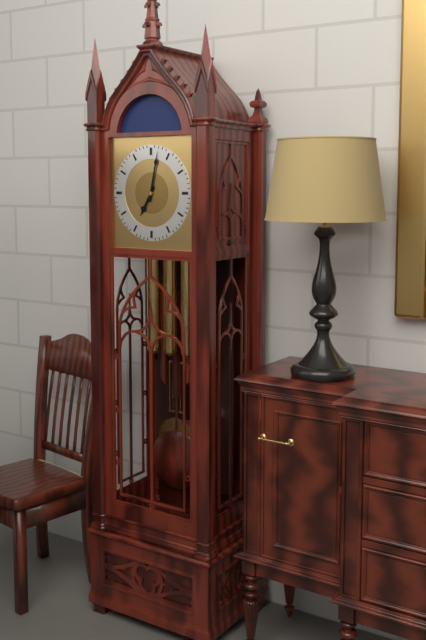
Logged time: 7 h 02 min
